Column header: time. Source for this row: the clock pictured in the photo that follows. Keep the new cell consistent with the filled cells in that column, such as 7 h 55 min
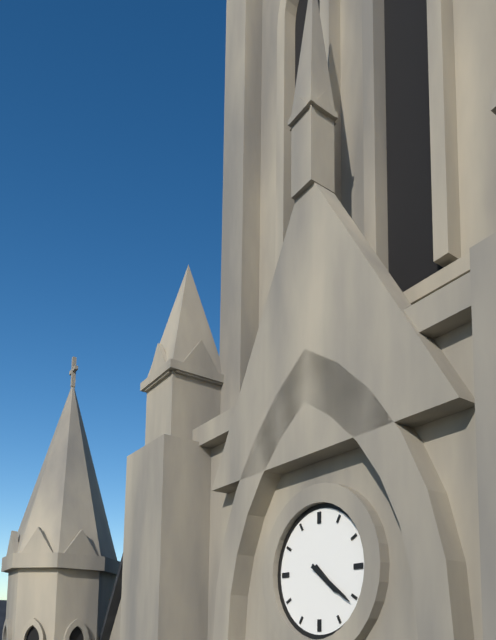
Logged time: 4 h 21 min
